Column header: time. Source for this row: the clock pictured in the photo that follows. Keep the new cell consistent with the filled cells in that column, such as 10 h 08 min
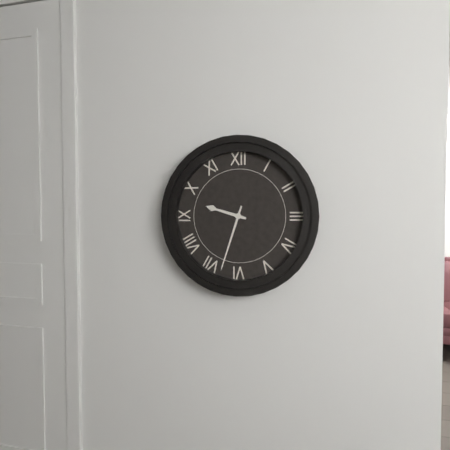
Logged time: 9 h 33 min
